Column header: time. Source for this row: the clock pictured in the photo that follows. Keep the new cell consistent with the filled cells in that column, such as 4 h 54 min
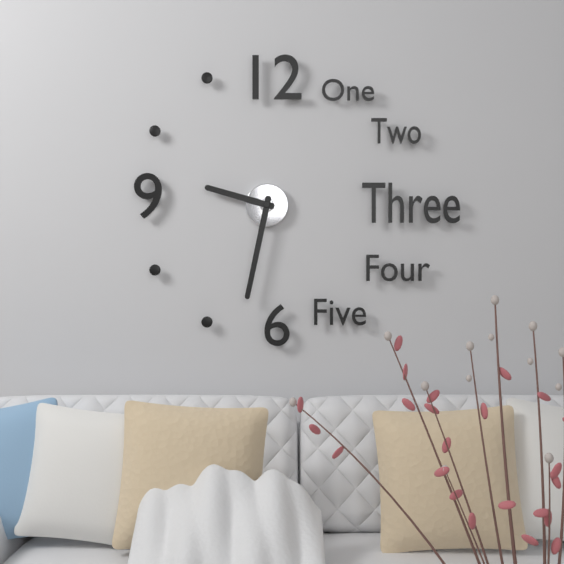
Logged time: 9 h 32 min
